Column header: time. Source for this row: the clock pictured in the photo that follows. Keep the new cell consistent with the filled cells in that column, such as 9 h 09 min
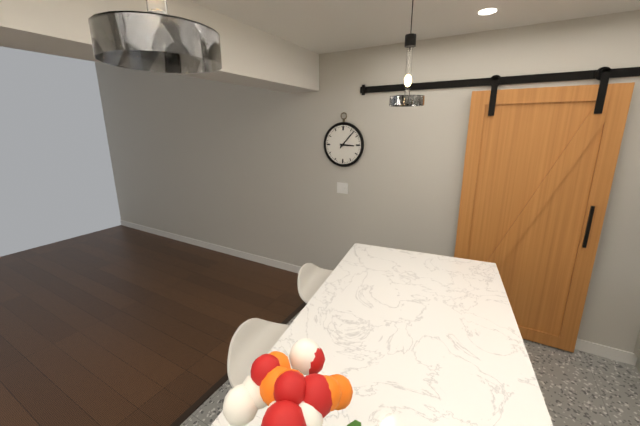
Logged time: 3 h 07 min
